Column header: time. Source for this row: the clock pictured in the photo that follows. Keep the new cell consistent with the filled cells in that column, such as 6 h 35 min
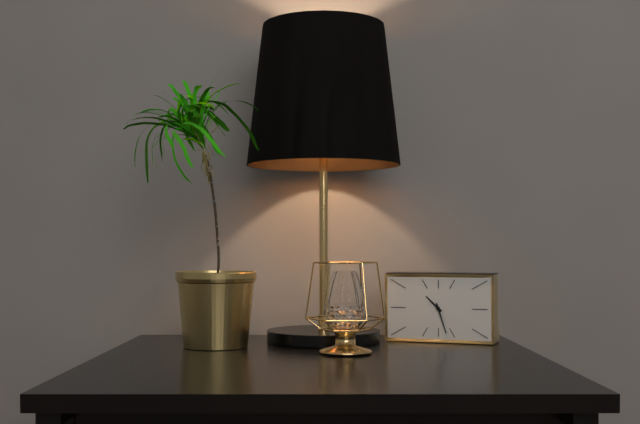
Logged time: 10 h 27 min
